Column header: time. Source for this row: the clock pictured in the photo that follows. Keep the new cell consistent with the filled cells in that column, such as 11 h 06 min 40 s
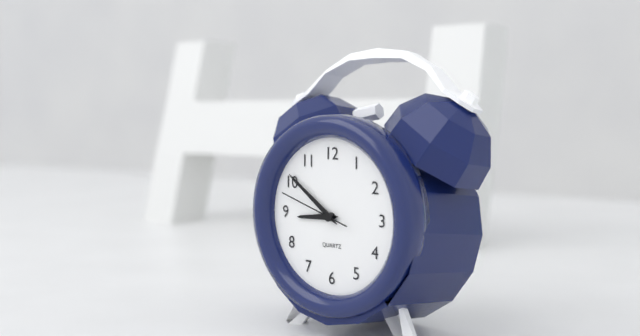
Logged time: 8 h 51 min 48 s
